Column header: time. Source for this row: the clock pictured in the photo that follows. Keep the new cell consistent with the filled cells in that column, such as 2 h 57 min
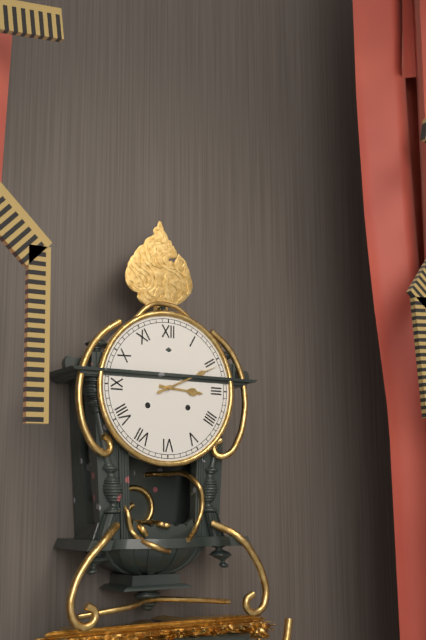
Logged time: 3 h 11 min
